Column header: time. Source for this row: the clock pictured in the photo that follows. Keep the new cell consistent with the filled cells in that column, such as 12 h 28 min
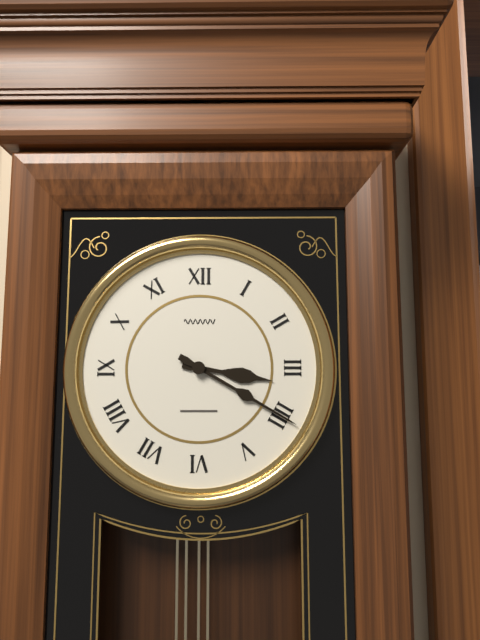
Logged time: 3 h 20 min
